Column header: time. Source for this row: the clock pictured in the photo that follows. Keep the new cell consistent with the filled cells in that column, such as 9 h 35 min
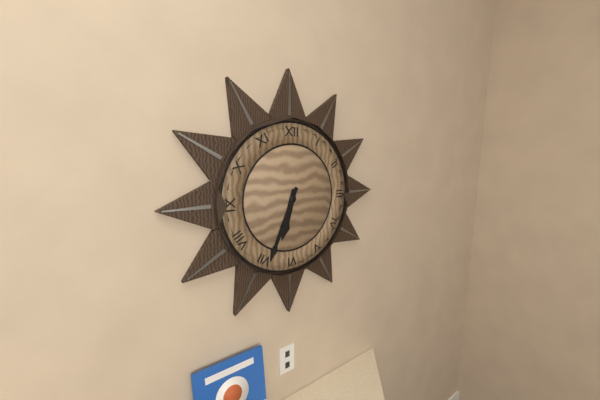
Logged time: 6 h 34 min
